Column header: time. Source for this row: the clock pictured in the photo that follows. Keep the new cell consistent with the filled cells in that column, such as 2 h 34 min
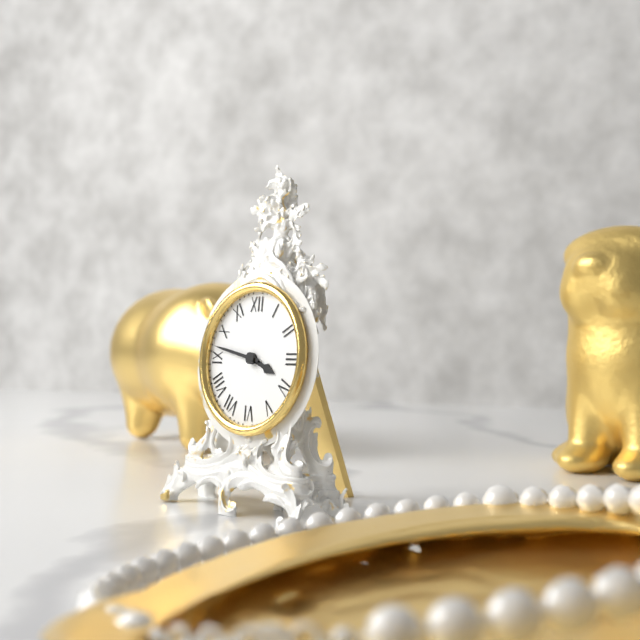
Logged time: 3 h 47 min
